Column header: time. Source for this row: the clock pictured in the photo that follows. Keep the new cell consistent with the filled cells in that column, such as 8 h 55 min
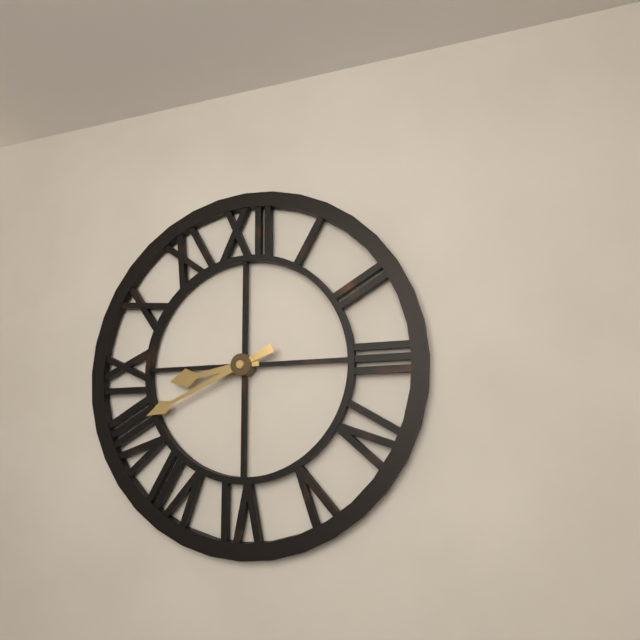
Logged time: 8 h 41 min
